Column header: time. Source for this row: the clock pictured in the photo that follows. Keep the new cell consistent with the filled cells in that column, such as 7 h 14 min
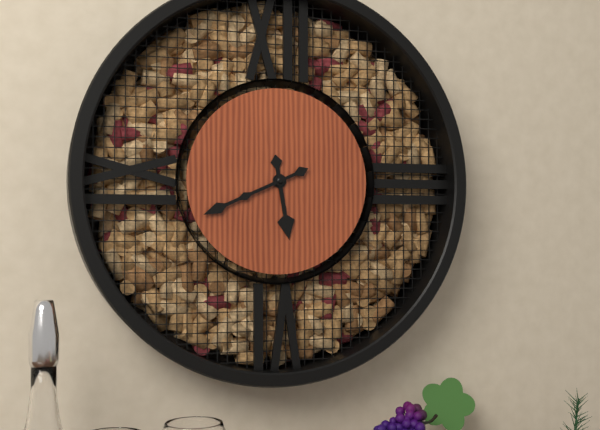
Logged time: 5 h 41 min
